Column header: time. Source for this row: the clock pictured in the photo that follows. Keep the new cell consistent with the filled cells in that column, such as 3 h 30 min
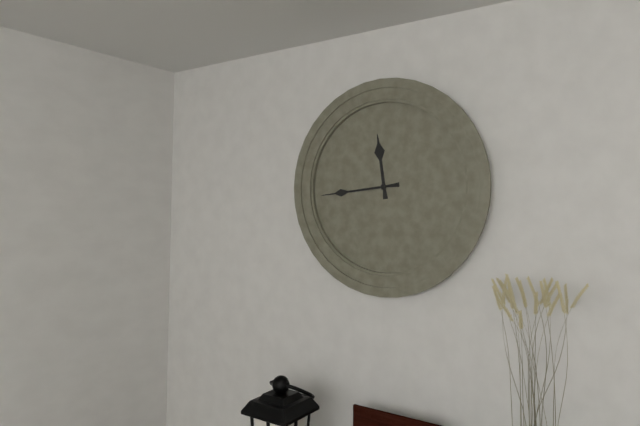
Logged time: 11 h 44 min
